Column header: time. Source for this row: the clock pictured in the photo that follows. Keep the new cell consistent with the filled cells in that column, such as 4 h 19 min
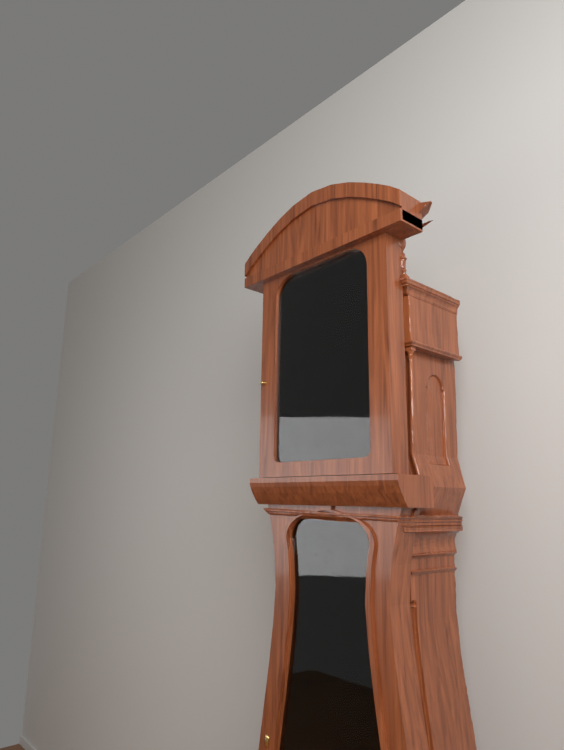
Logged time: 5 h 41 min
